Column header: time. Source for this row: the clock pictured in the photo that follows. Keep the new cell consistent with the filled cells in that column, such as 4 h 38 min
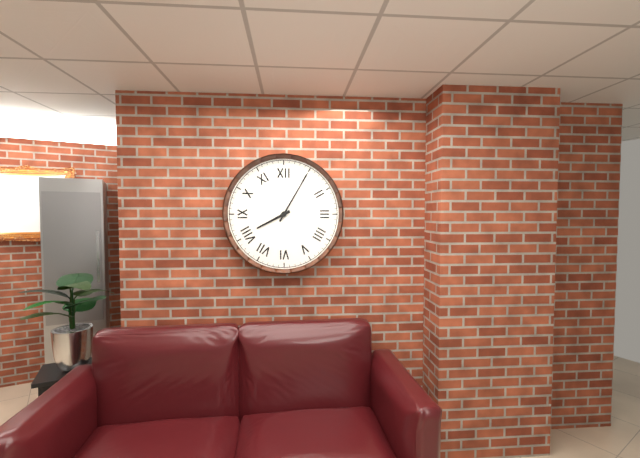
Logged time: 8 h 05 min
